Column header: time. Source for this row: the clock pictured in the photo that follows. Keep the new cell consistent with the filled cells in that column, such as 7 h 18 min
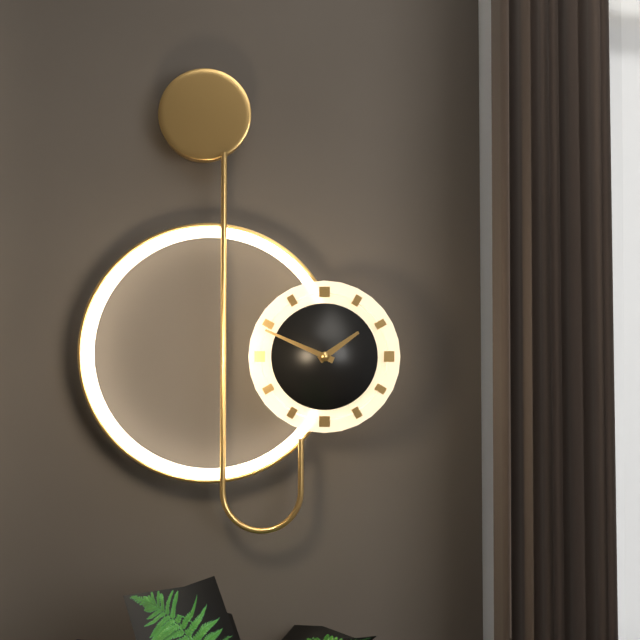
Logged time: 1 h 49 min
